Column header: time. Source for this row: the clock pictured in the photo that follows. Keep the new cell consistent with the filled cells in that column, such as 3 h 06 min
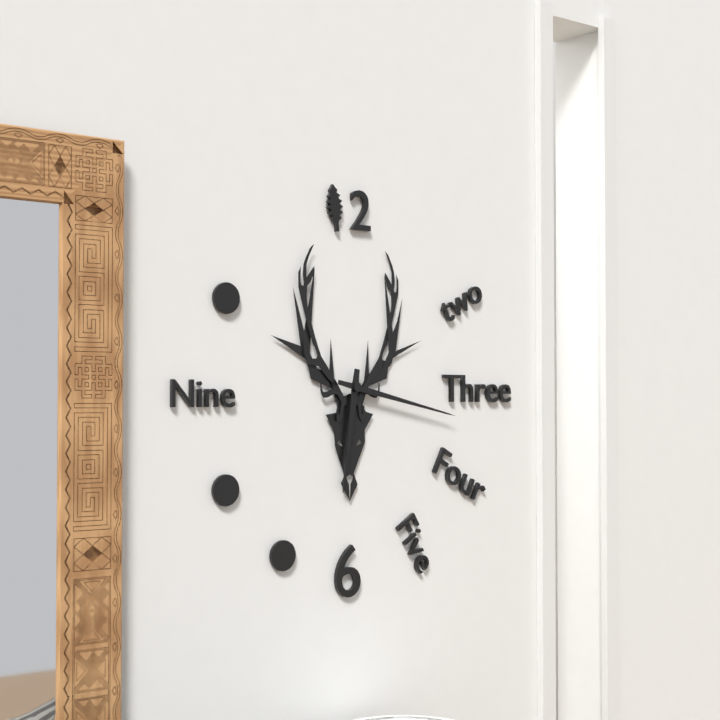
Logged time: 6 h 17 min
